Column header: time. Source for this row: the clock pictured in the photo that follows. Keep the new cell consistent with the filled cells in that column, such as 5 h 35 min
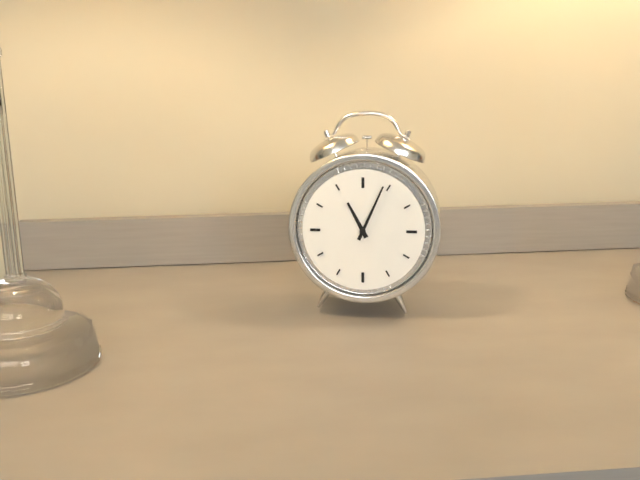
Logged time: 11 h 04 min
